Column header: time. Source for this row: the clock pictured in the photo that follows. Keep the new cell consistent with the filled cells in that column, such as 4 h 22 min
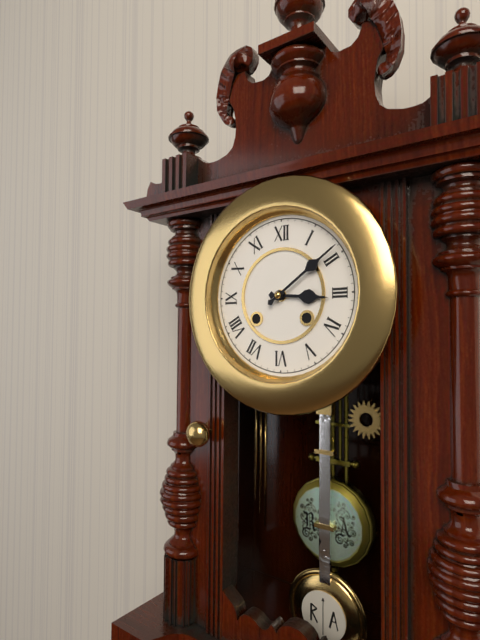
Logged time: 3 h 09 min
